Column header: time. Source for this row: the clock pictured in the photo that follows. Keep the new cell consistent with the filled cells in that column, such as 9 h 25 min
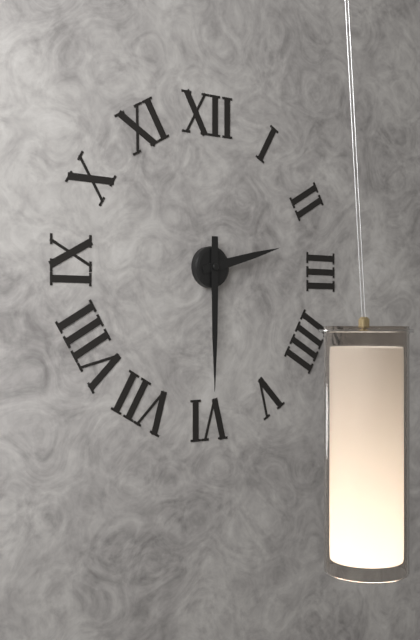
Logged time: 2 h 30 min
